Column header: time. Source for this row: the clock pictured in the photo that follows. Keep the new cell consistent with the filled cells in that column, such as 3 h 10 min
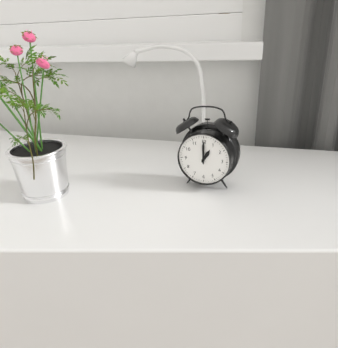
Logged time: 1 h 00 min
